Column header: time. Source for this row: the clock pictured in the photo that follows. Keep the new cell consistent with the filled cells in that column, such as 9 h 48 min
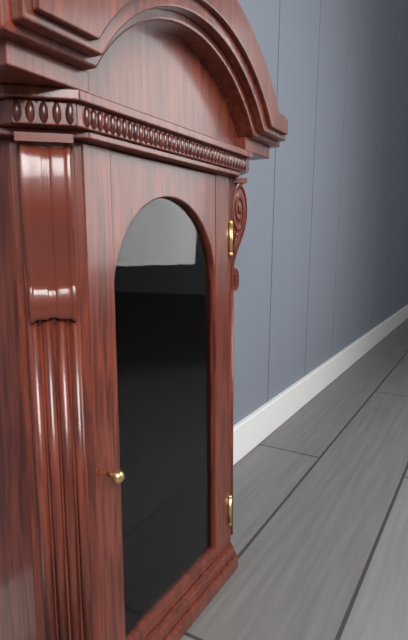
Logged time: 12 h 40 min
